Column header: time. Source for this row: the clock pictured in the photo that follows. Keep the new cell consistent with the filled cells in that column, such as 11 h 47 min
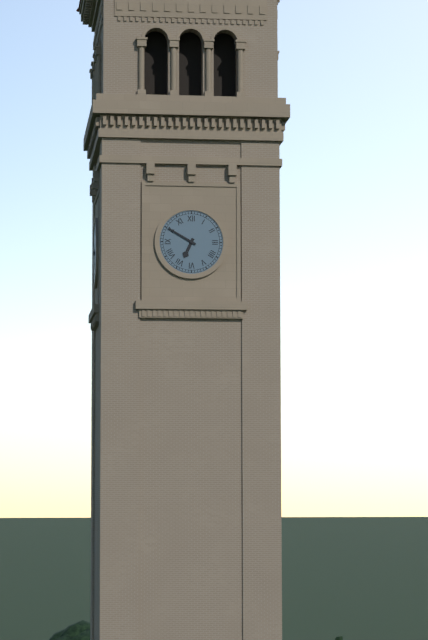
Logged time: 6 h 50 min
